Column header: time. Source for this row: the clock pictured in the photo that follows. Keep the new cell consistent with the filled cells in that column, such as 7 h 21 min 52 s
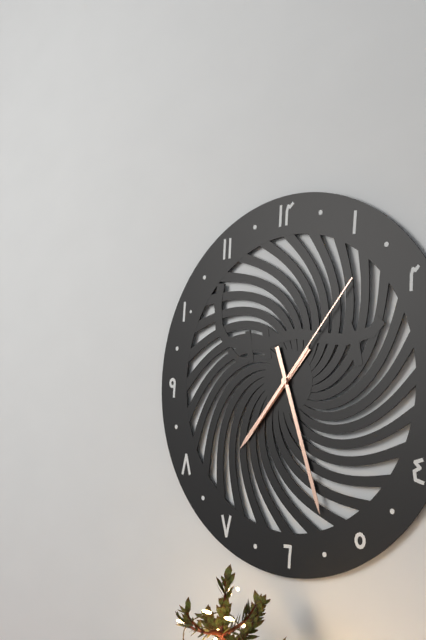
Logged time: 7 h 27 min 07 s
